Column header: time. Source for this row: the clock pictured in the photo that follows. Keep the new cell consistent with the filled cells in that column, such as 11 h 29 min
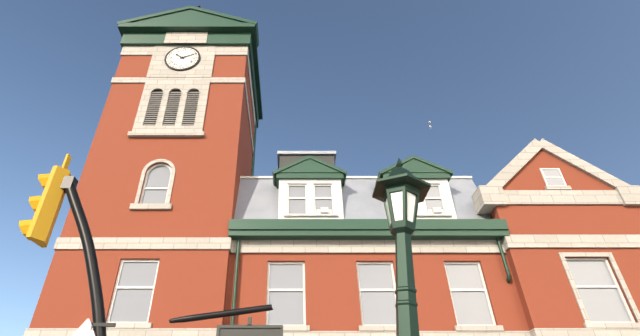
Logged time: 10 h 11 min
